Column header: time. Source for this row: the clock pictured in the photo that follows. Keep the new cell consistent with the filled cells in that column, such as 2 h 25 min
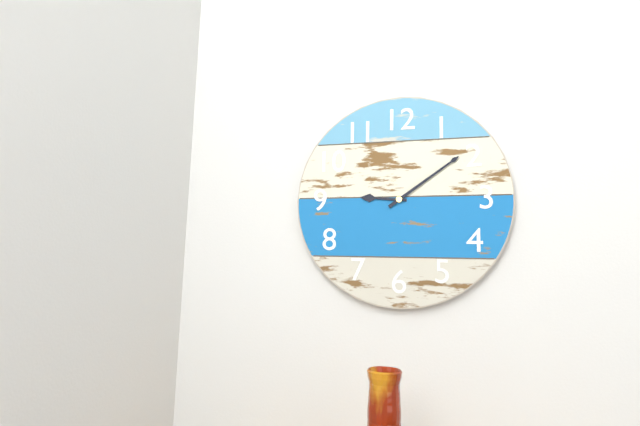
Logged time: 9 h 09 min
